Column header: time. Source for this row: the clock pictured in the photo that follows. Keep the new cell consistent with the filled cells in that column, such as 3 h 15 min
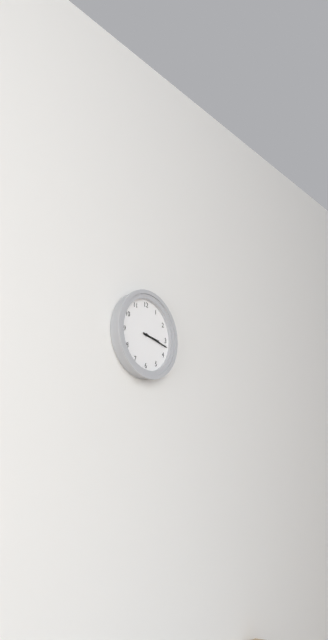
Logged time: 3 h 17 min
